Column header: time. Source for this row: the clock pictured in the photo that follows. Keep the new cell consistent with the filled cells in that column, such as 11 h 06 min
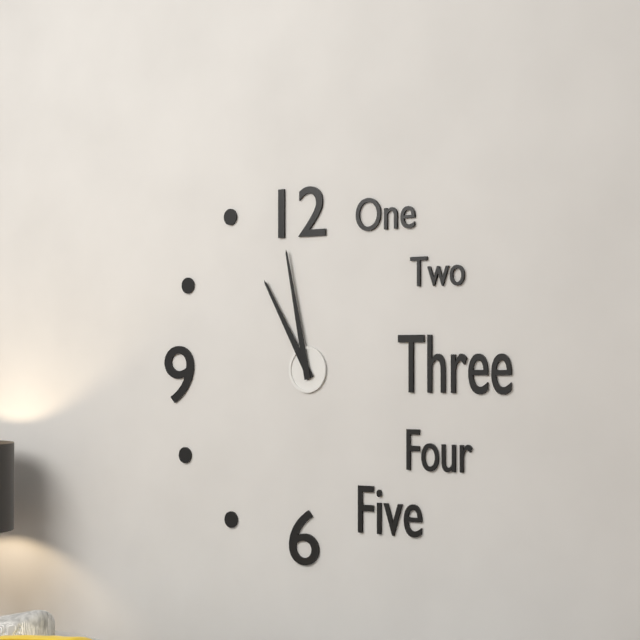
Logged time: 10 h 58 min
